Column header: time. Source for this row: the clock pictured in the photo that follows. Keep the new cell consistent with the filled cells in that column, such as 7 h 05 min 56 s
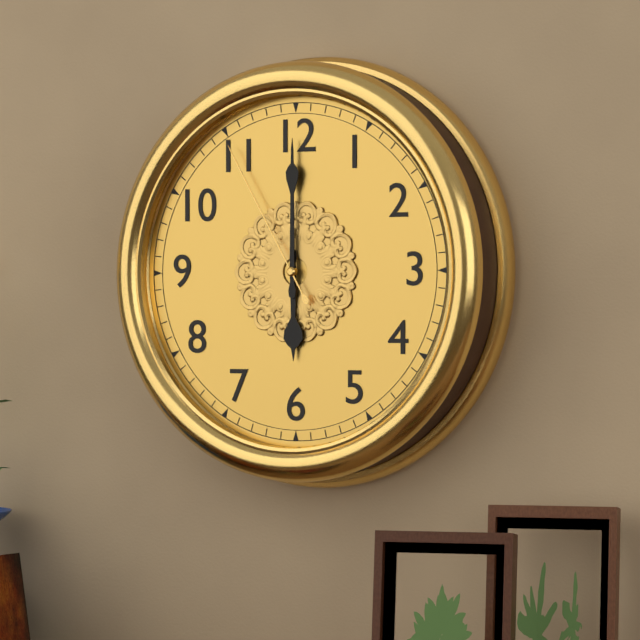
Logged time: 6 h 00 min 55 s
